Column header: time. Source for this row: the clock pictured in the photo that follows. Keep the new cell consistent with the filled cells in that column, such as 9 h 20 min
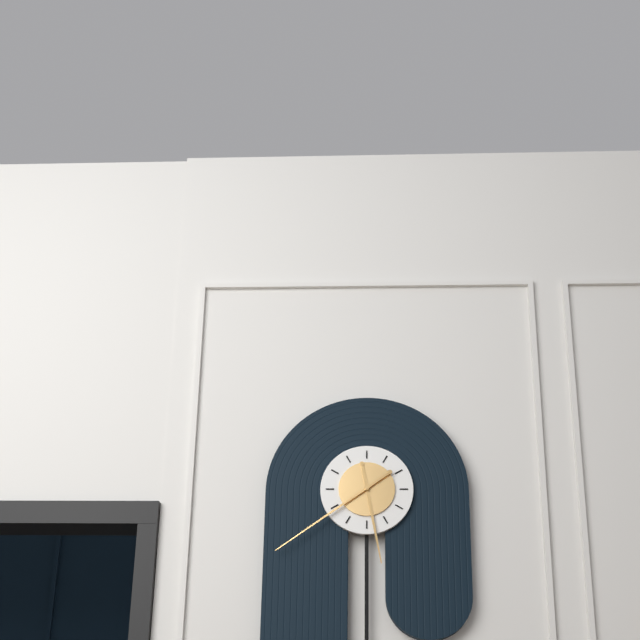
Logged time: 5 h 39 min
